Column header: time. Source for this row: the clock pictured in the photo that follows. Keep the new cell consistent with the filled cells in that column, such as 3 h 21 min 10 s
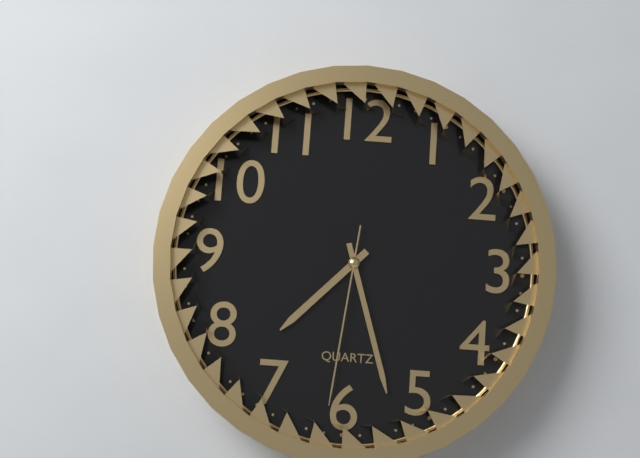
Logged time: 7 h 27 min 31 s
